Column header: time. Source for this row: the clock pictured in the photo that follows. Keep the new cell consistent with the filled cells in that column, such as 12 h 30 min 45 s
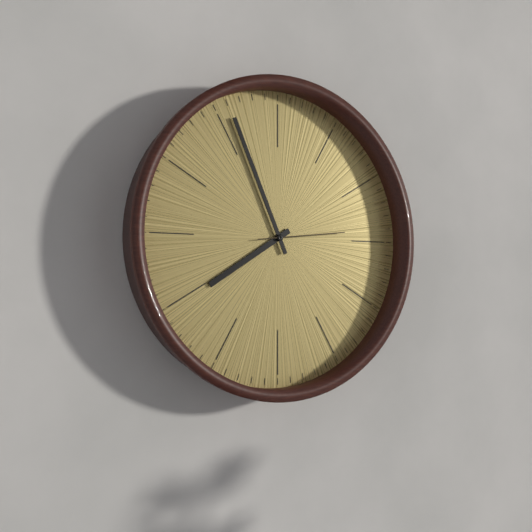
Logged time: 7 h 56 min 14 s
